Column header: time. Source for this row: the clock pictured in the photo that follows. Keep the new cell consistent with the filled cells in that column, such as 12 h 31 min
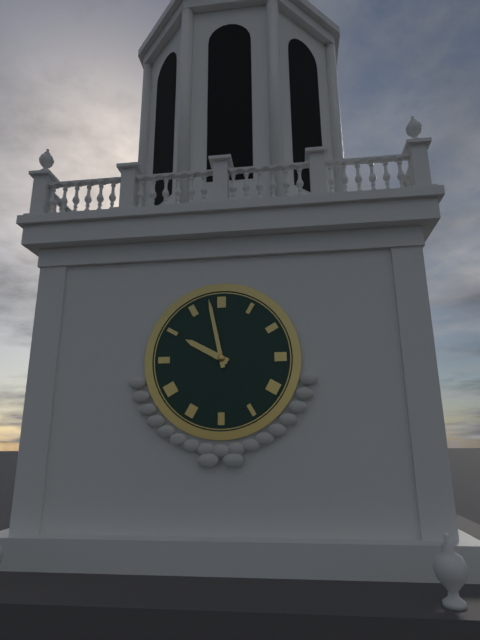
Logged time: 9 h 58 min
